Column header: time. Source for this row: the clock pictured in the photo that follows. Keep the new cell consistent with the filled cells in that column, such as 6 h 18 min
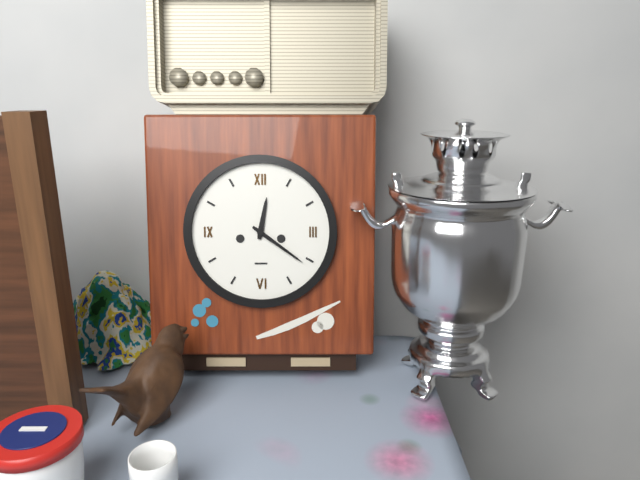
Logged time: 12 h 21 min
